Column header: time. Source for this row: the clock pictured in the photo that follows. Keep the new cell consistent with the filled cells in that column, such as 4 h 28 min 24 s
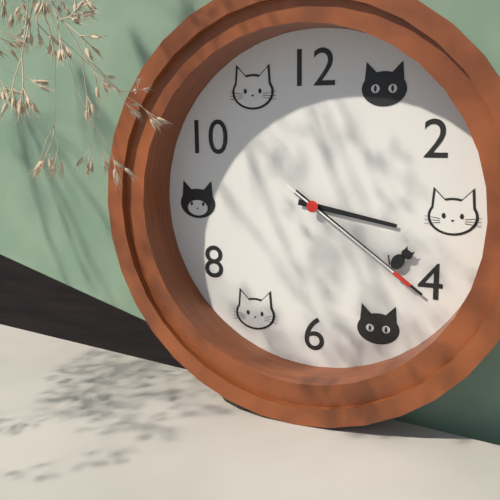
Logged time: 3 h 21 min 21 s
